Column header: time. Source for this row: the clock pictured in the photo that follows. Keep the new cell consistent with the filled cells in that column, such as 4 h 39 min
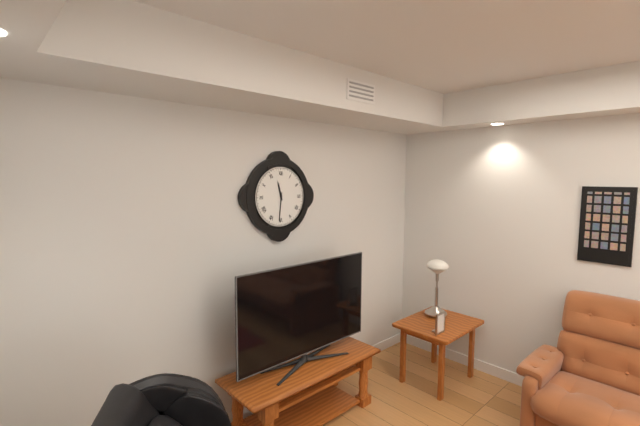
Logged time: 11 h 31 min
